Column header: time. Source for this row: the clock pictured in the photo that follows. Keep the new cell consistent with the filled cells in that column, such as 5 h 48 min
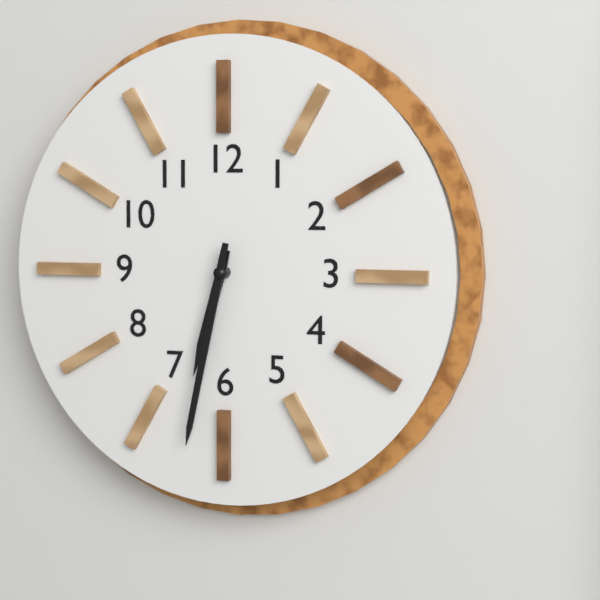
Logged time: 6 h 32 min
